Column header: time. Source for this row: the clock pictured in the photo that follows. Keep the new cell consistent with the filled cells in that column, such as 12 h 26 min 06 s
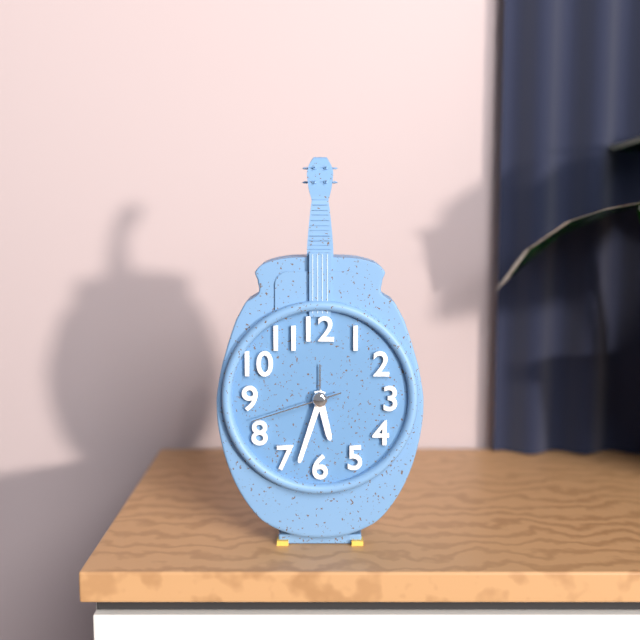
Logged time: 5 h 33 min 42 s
